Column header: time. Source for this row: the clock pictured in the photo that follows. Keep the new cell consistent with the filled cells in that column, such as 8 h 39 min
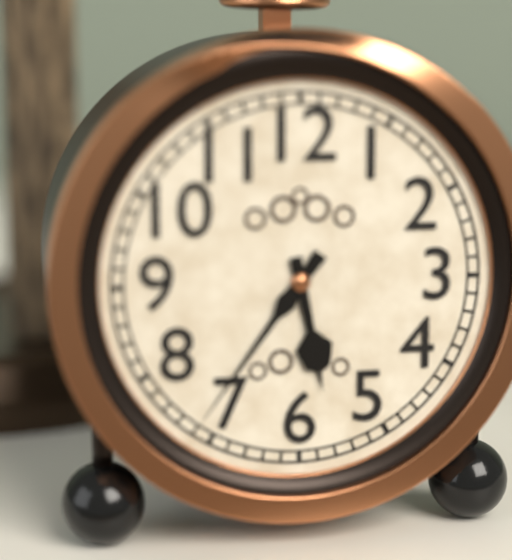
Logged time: 5 h 36 min
